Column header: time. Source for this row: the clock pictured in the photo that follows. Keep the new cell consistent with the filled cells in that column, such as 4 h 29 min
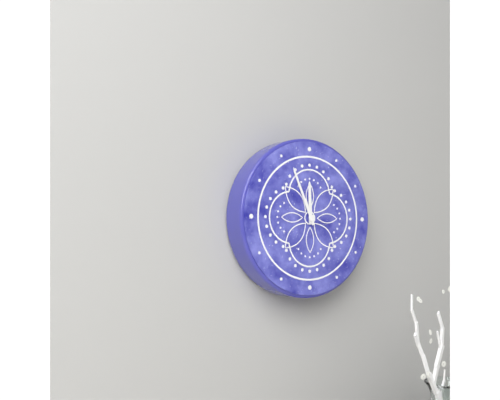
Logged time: 11 h 56 min
